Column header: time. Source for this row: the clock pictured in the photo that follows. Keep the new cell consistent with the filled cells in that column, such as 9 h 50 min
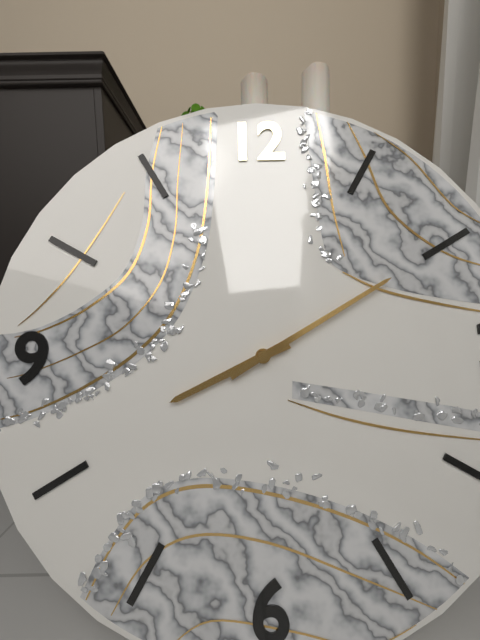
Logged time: 8 h 10 min
